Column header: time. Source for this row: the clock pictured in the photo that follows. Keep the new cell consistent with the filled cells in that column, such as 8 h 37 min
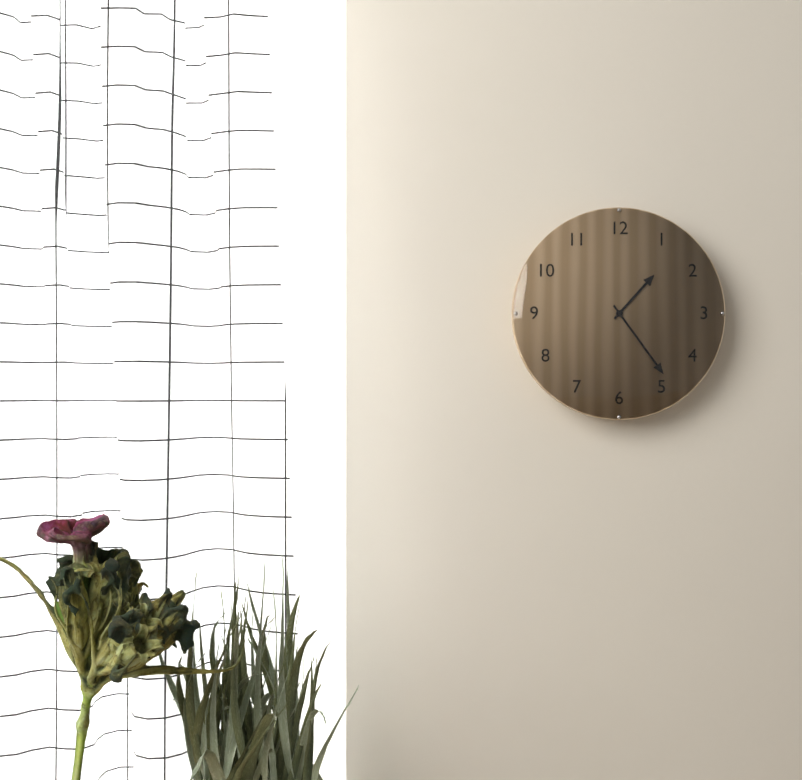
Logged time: 1 h 24 min
